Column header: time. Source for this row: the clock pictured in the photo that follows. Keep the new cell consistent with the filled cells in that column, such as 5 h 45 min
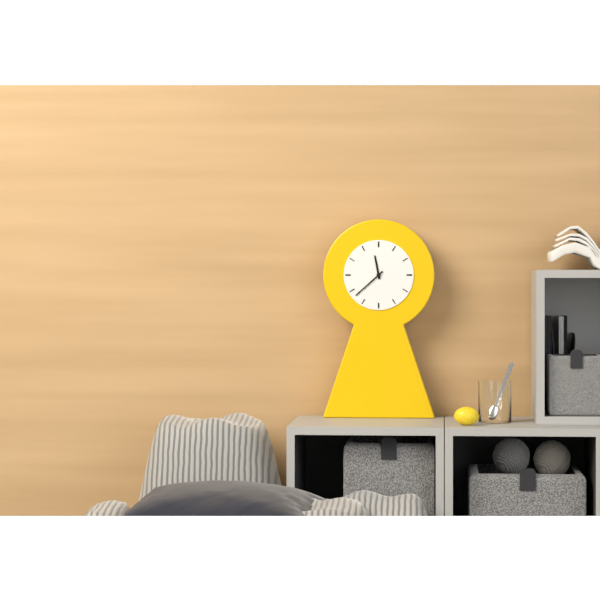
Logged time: 11 h 38 min
